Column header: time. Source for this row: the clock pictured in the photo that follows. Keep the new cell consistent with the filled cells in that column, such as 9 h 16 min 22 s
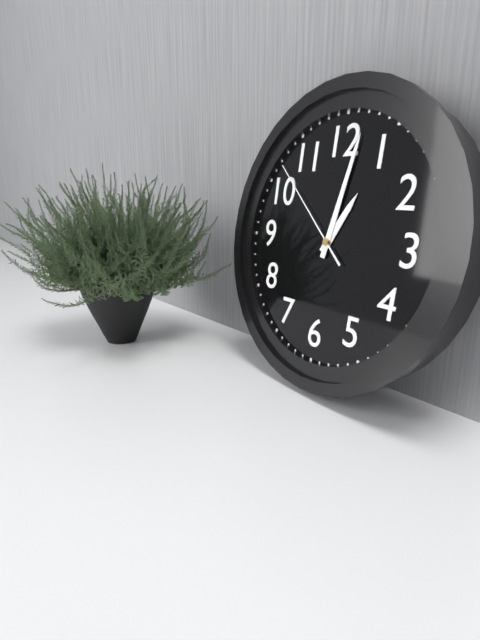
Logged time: 1 h 02 min 52 s
